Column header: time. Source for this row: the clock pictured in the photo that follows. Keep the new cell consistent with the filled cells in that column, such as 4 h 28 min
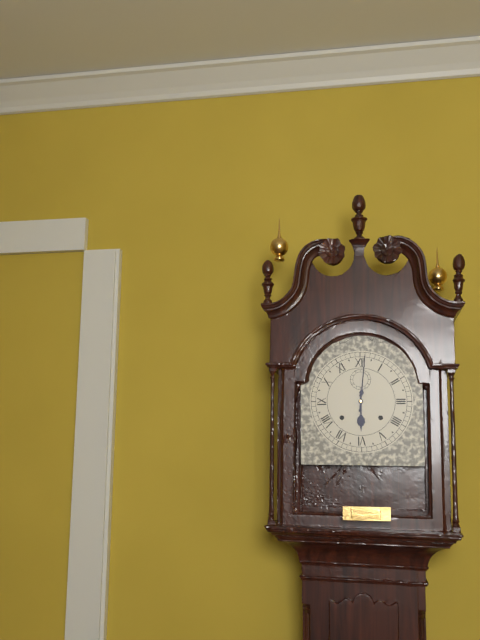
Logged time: 6 h 01 min
